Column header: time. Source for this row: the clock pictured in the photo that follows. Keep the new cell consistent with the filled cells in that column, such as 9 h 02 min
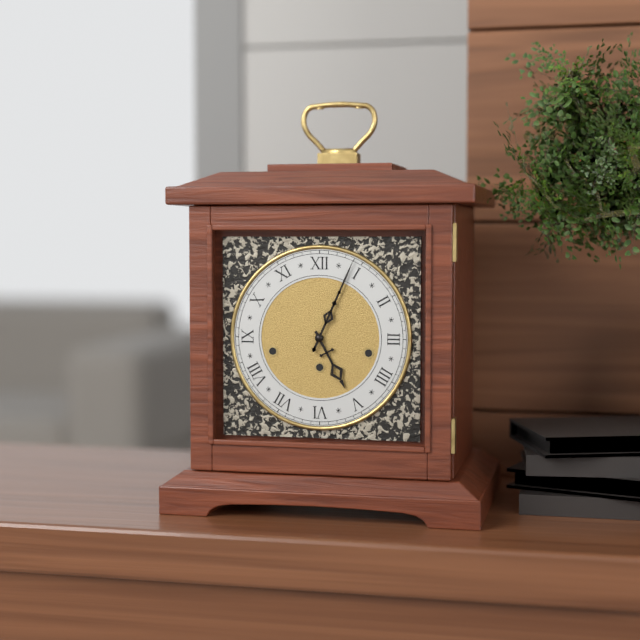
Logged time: 5 h 04 min
